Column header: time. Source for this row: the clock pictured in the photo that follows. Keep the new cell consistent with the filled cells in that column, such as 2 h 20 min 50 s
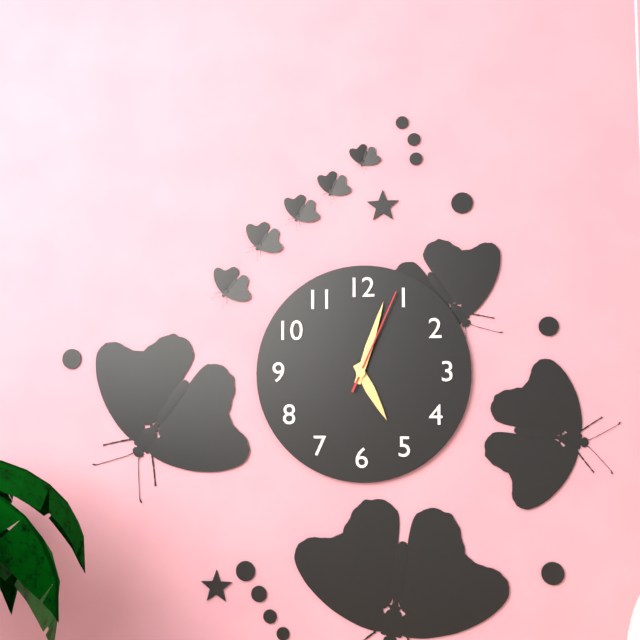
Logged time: 5 h 03 min 04 s
